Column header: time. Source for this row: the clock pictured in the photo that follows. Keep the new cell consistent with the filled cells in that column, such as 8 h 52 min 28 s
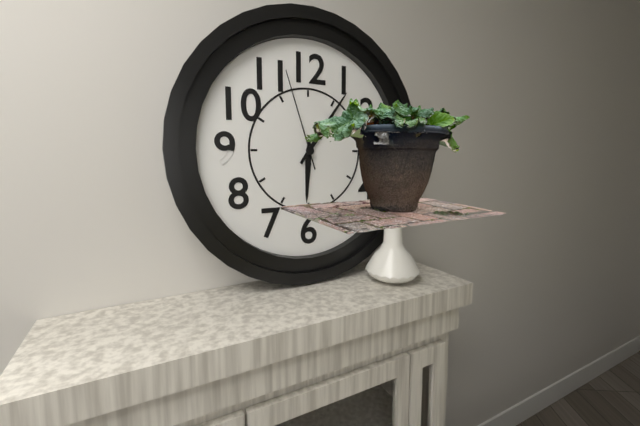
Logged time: 6 h 06 min 57 s
